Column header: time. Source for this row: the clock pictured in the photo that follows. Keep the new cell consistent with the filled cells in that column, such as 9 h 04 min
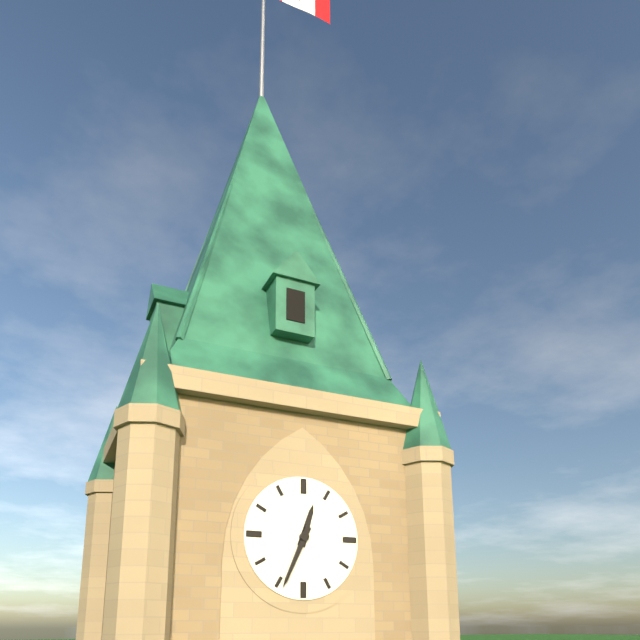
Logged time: 12 h 34 min
